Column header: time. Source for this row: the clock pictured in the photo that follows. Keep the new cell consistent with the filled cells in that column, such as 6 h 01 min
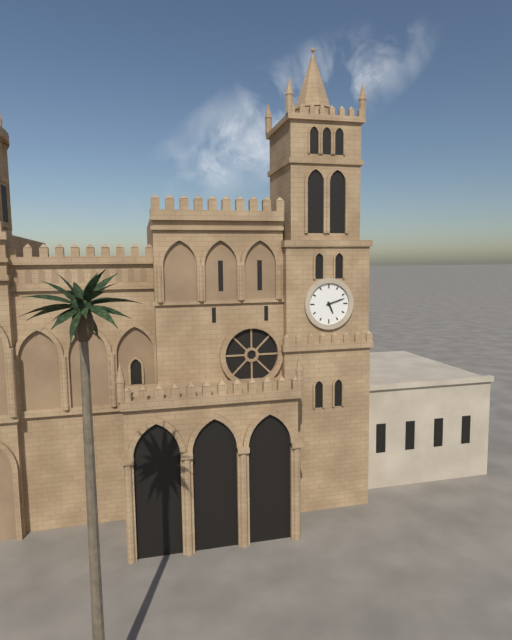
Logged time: 5 h 12 min
